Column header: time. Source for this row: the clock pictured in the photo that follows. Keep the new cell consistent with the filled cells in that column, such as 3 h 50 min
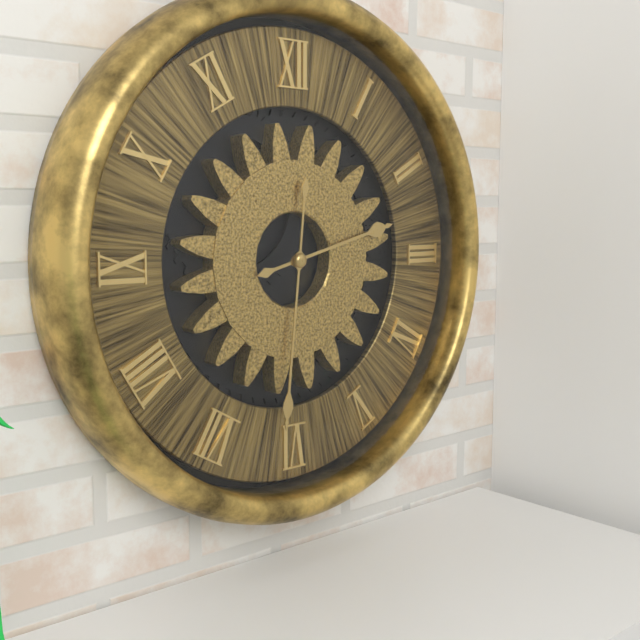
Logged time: 2 h 31 min
